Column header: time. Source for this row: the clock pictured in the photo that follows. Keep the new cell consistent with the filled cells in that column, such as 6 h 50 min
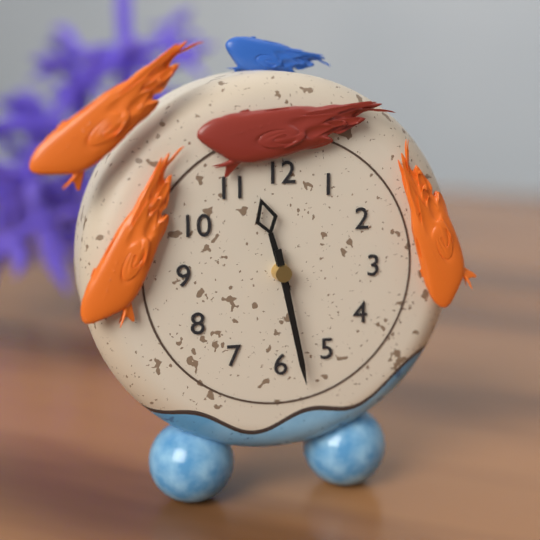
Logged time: 11 h 28 min
